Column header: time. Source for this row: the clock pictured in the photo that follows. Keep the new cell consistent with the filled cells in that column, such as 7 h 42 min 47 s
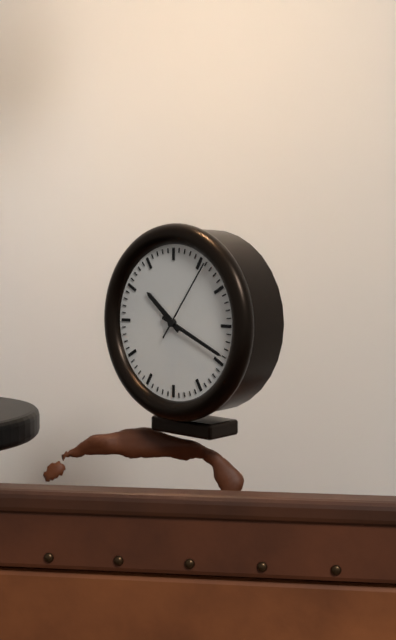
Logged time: 10 h 19 min 06 s
